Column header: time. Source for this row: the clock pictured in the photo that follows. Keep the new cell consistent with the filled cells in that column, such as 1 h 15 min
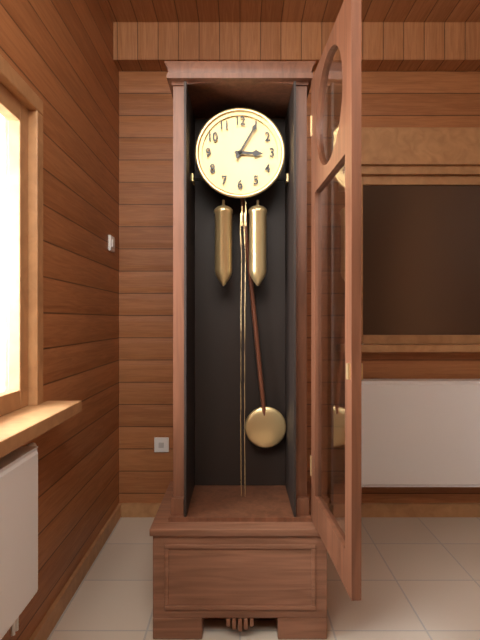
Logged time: 3 h 05 min
